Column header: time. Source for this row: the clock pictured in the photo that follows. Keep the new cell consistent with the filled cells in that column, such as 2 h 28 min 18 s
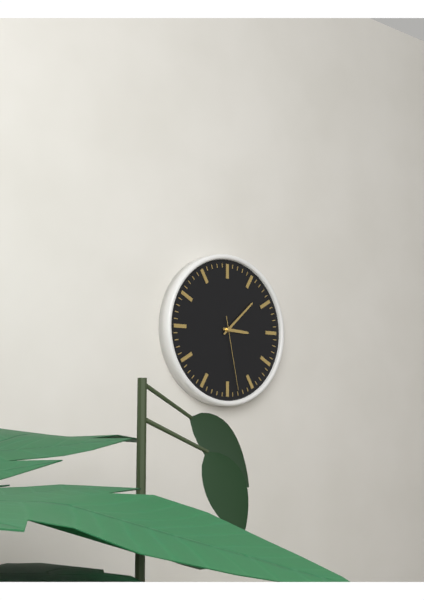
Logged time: 3 h 08 min 28 s
